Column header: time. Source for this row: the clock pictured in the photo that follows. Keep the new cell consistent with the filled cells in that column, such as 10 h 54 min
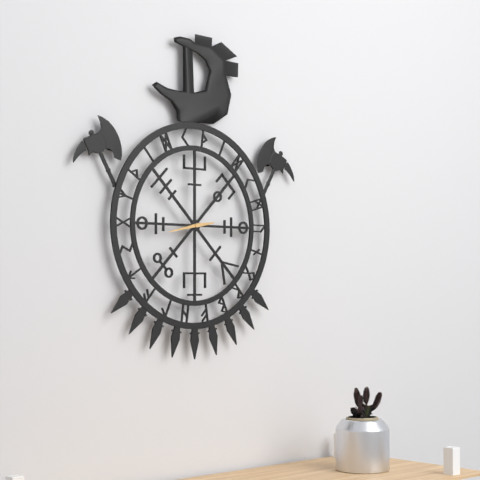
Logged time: 2 h 43 min
